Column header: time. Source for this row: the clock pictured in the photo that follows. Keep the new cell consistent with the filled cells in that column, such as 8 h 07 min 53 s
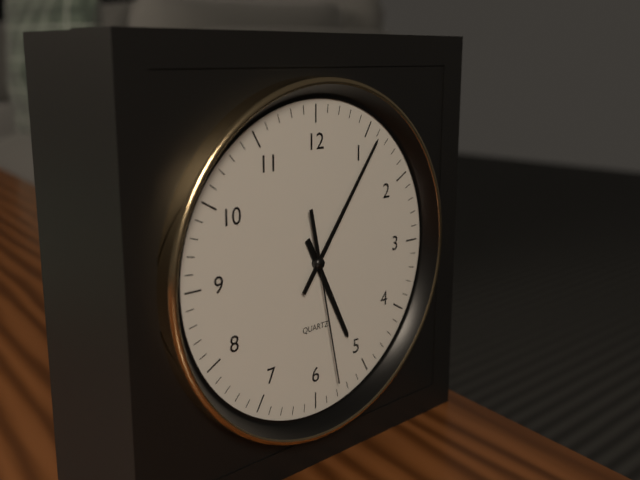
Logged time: 5 h 06 min 28 s
